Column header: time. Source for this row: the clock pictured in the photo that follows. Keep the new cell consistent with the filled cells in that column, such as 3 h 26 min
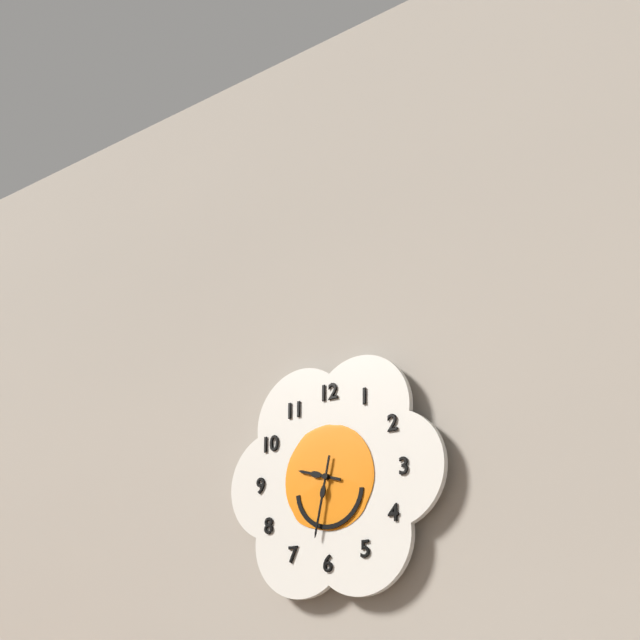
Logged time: 9 h 32 min
